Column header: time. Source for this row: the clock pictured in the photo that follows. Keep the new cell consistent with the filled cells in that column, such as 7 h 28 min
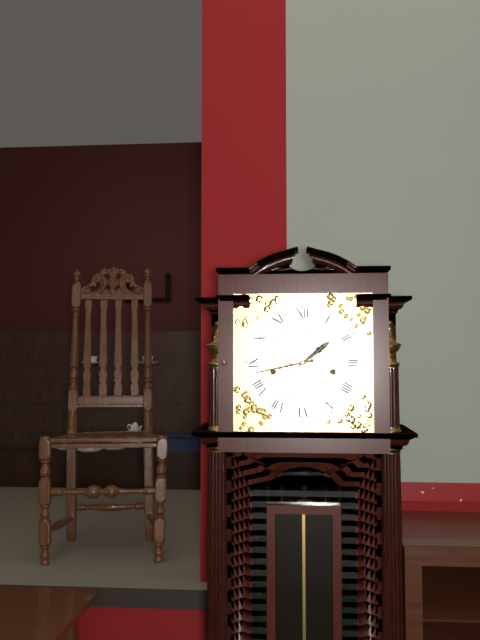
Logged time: 1 h 43 min
